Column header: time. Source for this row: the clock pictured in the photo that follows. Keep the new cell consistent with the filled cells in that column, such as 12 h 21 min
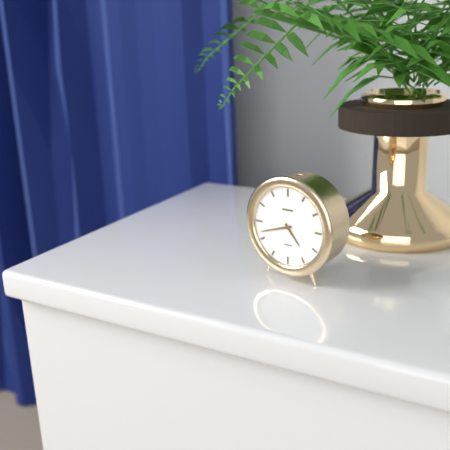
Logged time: 4 h 42 min
